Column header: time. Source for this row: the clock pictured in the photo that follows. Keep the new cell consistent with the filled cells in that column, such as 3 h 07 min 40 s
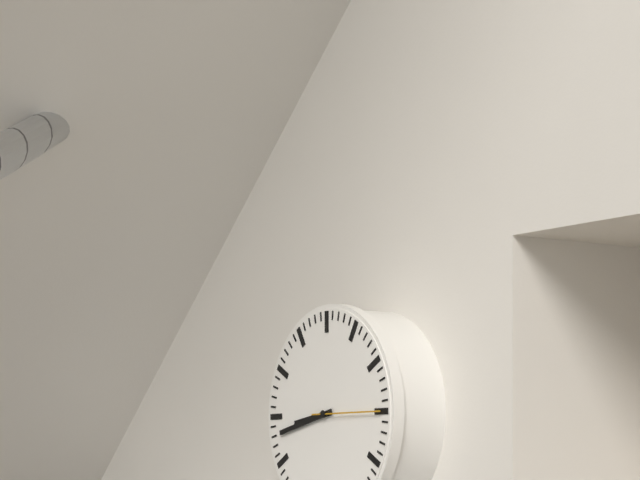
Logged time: 8 h 43 min 15 s
